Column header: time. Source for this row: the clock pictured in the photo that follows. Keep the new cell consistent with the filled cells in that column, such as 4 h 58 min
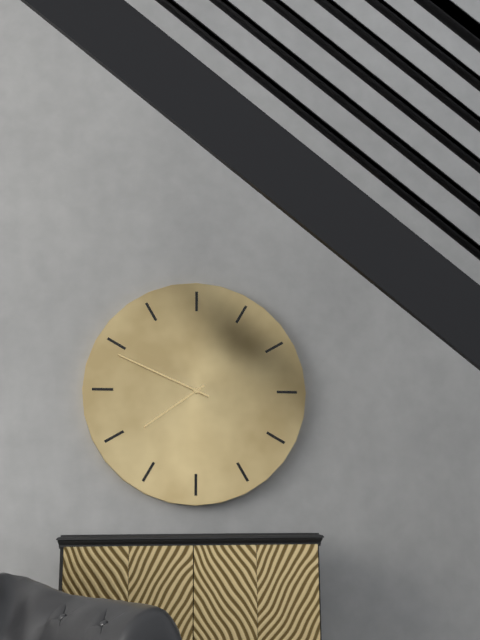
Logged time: 7 h 49 min
